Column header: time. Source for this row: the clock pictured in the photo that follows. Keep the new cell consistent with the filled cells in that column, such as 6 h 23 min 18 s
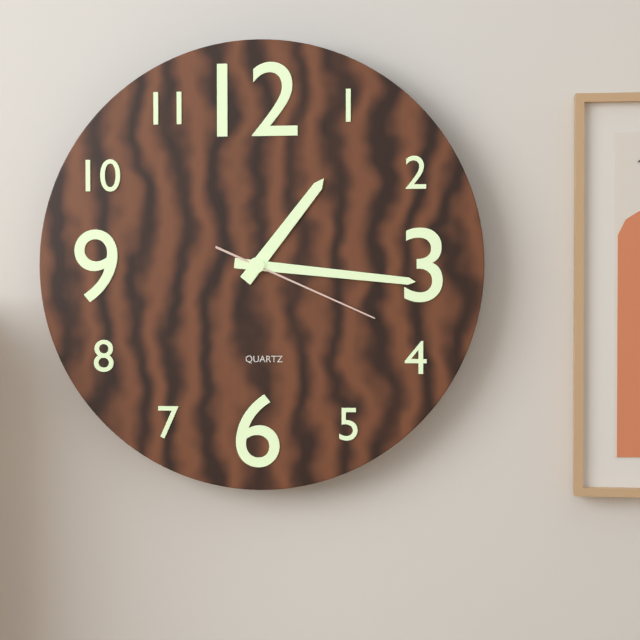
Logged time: 1 h 16 min 19 s
